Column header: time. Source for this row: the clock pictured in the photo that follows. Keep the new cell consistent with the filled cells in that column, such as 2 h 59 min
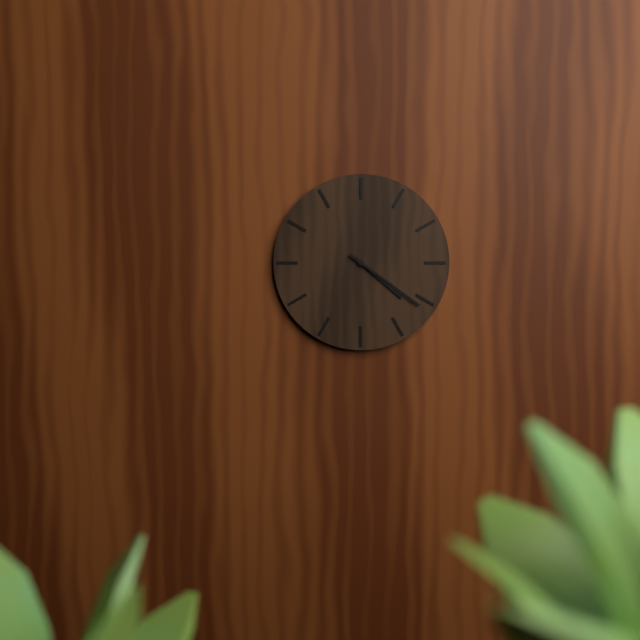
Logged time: 4 h 21 min
